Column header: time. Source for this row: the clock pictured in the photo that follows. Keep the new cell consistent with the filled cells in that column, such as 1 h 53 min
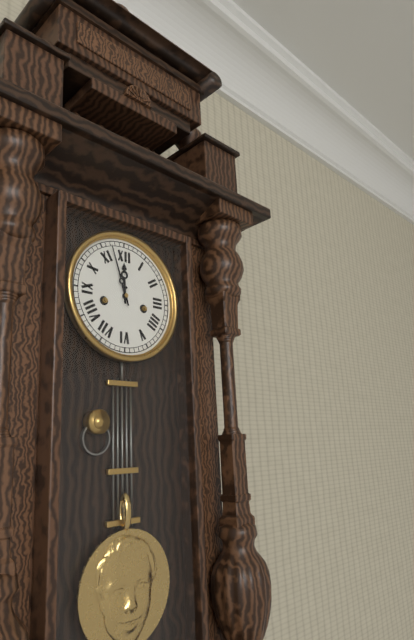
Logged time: 11 h 57 min
